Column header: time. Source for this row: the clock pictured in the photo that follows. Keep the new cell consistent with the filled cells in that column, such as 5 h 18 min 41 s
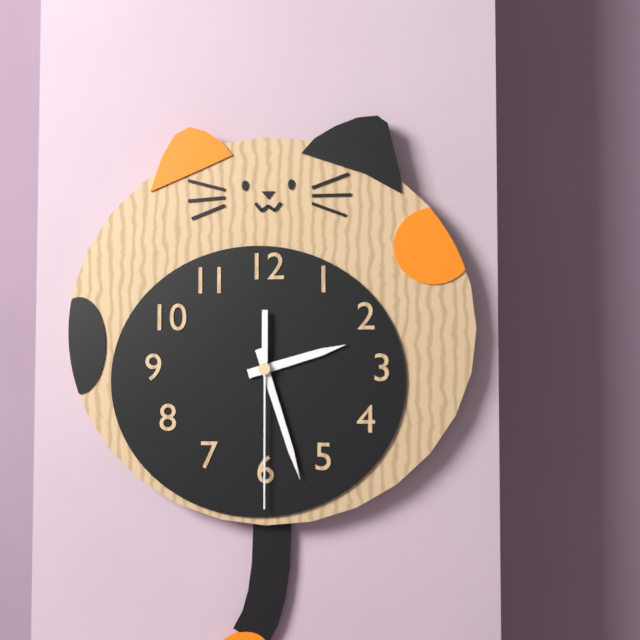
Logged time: 2 h 27 min 30 s
